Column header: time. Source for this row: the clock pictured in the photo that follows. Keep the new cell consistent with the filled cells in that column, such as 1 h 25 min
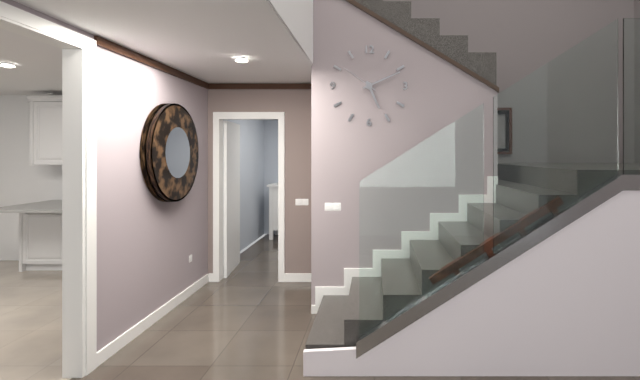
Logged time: 5 h 11 min
